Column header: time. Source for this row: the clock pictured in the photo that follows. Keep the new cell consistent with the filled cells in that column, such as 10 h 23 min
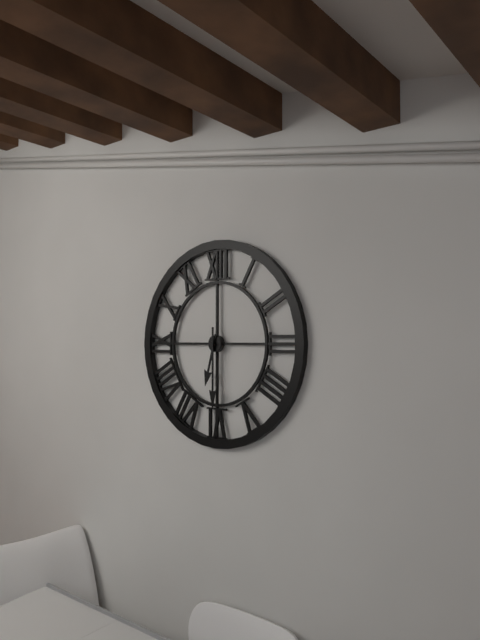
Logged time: 6 h 30 min
